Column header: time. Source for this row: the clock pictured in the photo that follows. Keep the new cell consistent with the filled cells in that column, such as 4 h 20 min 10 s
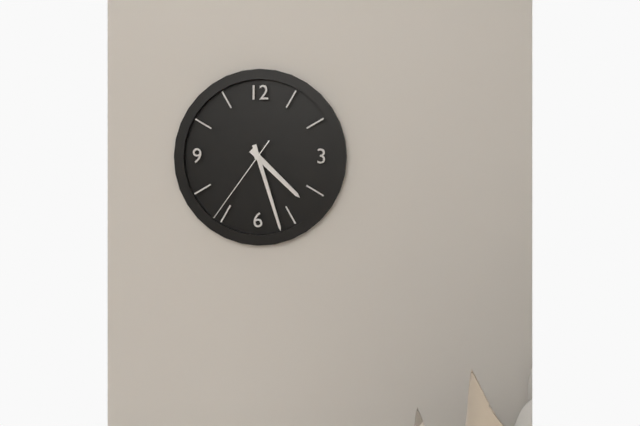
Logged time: 4 h 27 min 36 s
